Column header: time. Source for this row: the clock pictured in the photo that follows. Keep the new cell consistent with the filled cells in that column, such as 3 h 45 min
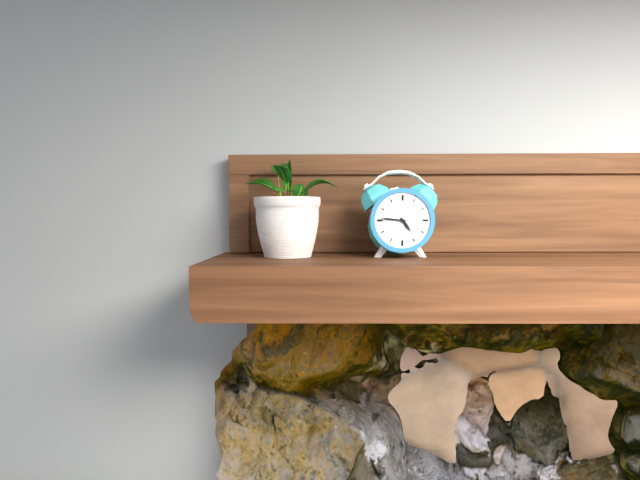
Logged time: 4 h 46 min
